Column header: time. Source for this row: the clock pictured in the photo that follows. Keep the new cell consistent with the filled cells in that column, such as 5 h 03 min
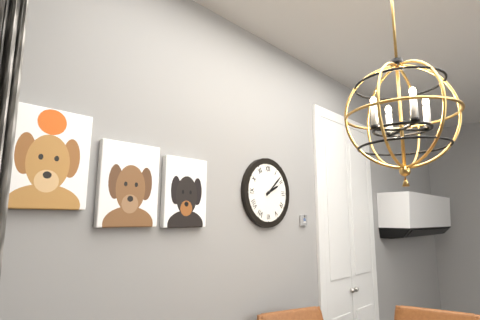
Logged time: 2 h 08 min
